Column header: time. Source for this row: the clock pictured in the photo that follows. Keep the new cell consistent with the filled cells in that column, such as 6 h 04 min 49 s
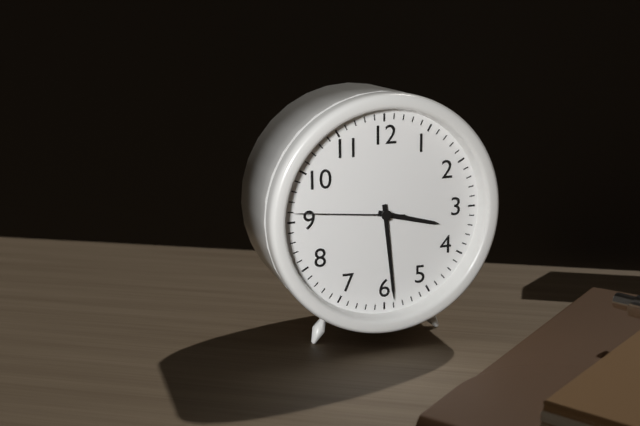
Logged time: 3 h 29 min 46 s
